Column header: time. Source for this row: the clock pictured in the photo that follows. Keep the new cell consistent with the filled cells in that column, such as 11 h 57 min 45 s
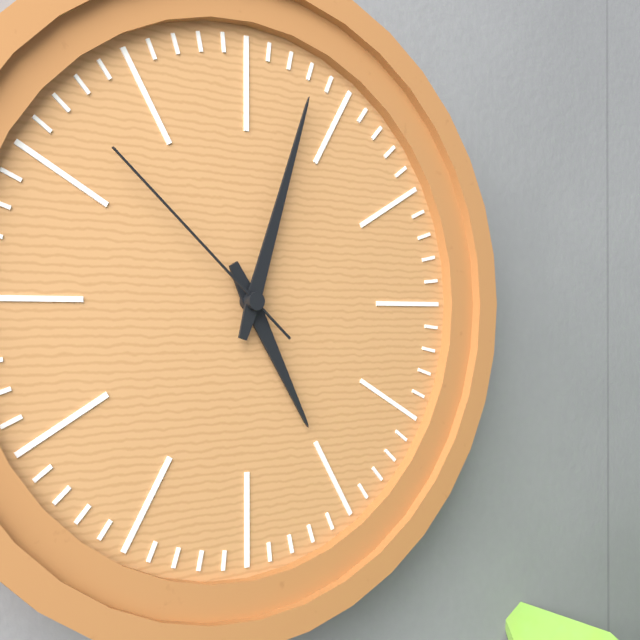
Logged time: 5 h 03 min 52 s
